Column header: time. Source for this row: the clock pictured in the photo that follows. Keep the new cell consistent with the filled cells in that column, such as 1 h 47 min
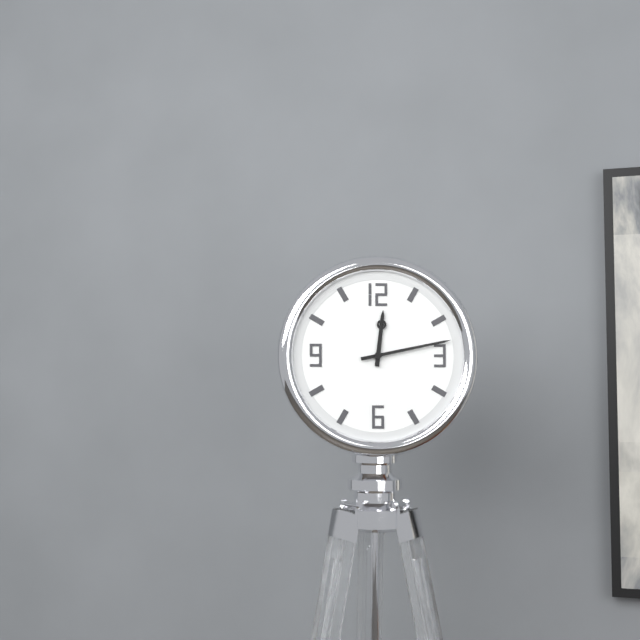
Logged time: 12 h 13 min
